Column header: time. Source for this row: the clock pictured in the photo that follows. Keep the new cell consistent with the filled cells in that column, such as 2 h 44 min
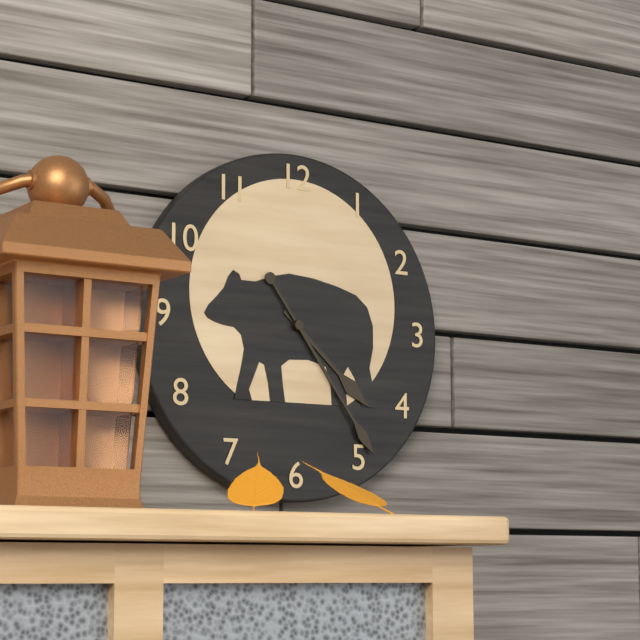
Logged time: 4 h 24 min
